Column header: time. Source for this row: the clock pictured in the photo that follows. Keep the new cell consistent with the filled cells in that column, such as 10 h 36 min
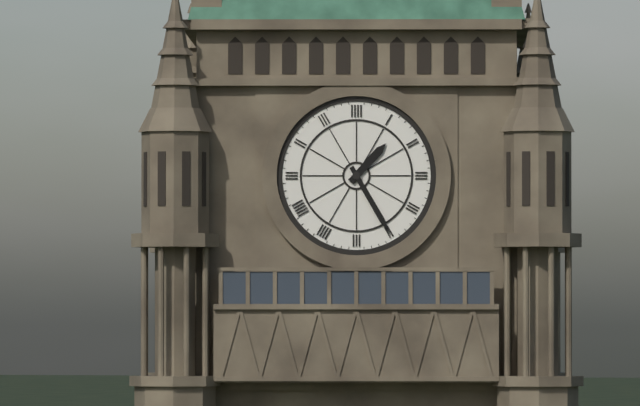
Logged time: 1 h 25 min
